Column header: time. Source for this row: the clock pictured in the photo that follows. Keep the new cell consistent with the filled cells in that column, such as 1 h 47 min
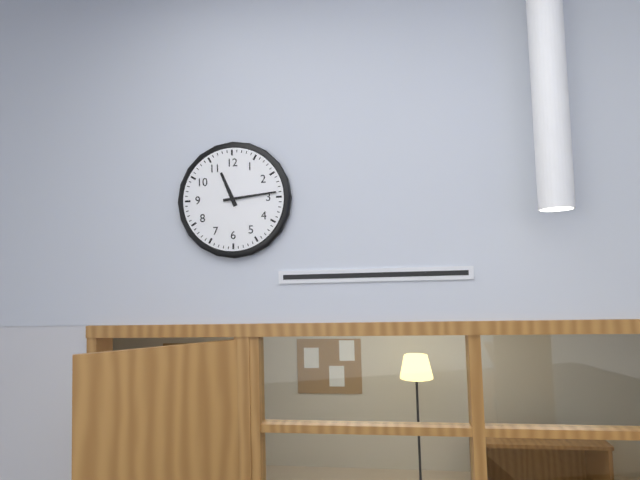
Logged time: 11 h 14 min
